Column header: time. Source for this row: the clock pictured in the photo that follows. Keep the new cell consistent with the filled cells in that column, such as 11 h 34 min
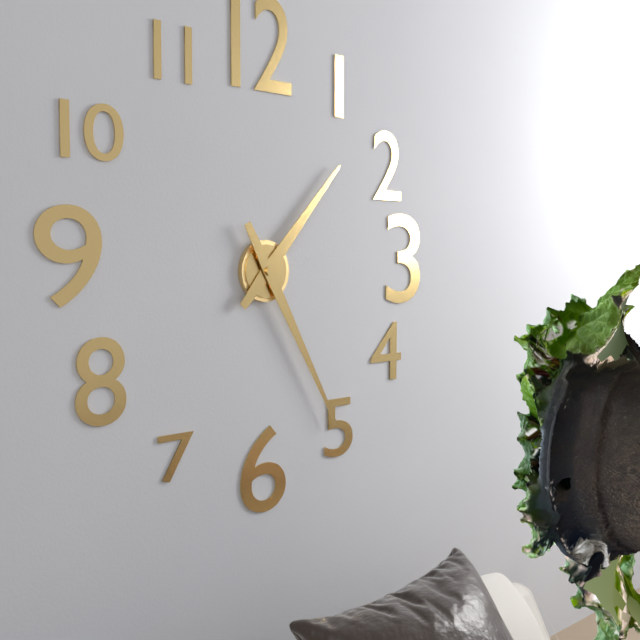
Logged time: 1 h 25 min
